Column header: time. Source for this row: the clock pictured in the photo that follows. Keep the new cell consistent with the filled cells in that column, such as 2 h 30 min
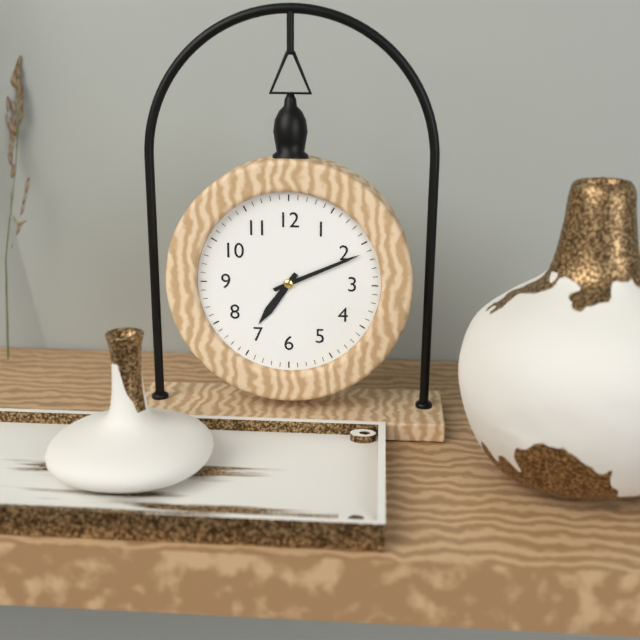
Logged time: 7 h 11 min
